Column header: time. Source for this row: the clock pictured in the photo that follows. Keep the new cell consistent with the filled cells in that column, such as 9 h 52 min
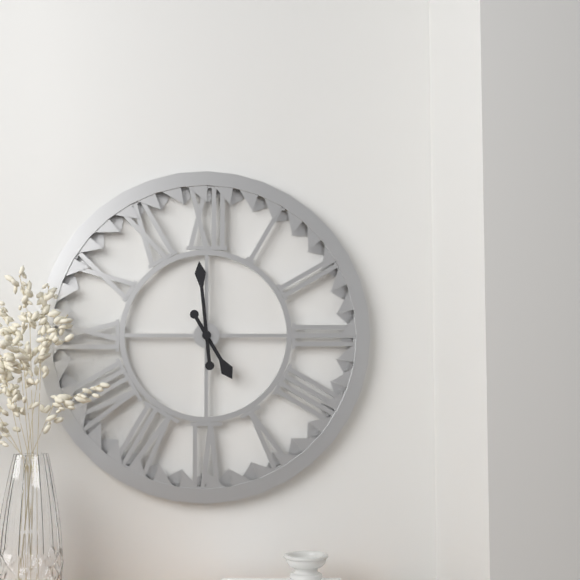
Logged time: 4 h 59 min
